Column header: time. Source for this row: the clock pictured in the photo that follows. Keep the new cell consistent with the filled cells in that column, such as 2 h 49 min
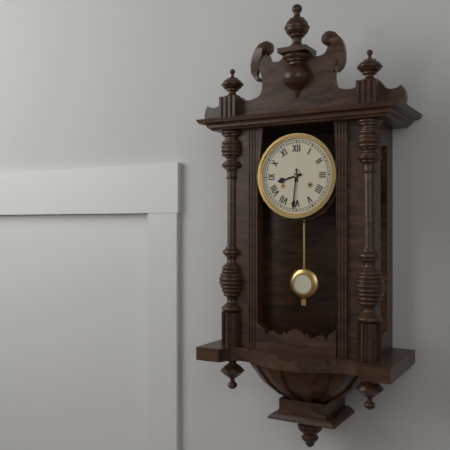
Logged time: 8 h 31 min
